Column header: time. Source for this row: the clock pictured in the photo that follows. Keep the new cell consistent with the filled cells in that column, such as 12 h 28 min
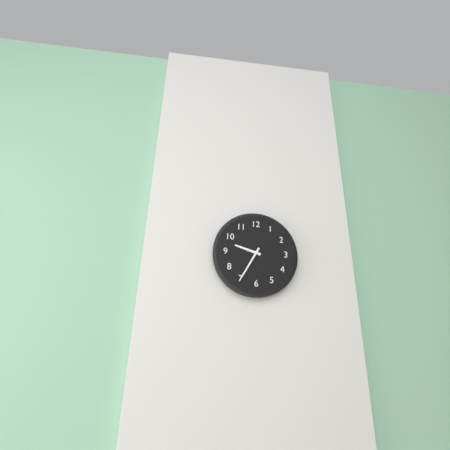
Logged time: 9 h 35 min
